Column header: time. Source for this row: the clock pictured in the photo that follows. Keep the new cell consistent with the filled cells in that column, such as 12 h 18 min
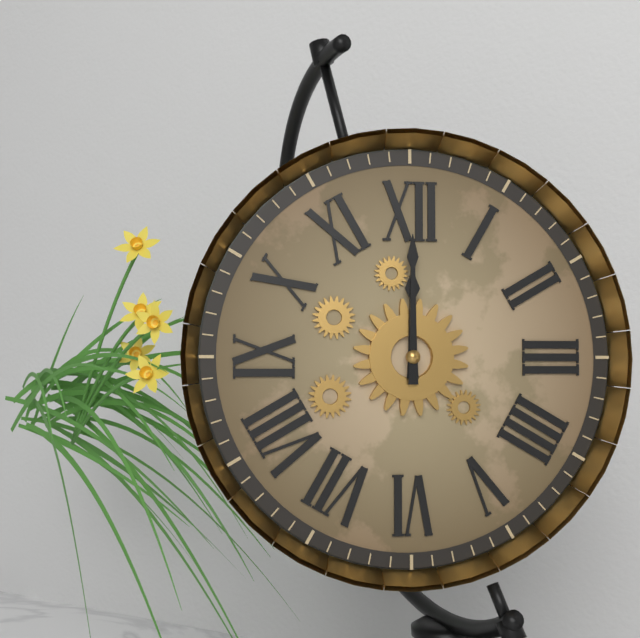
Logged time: 12 h 00 min
